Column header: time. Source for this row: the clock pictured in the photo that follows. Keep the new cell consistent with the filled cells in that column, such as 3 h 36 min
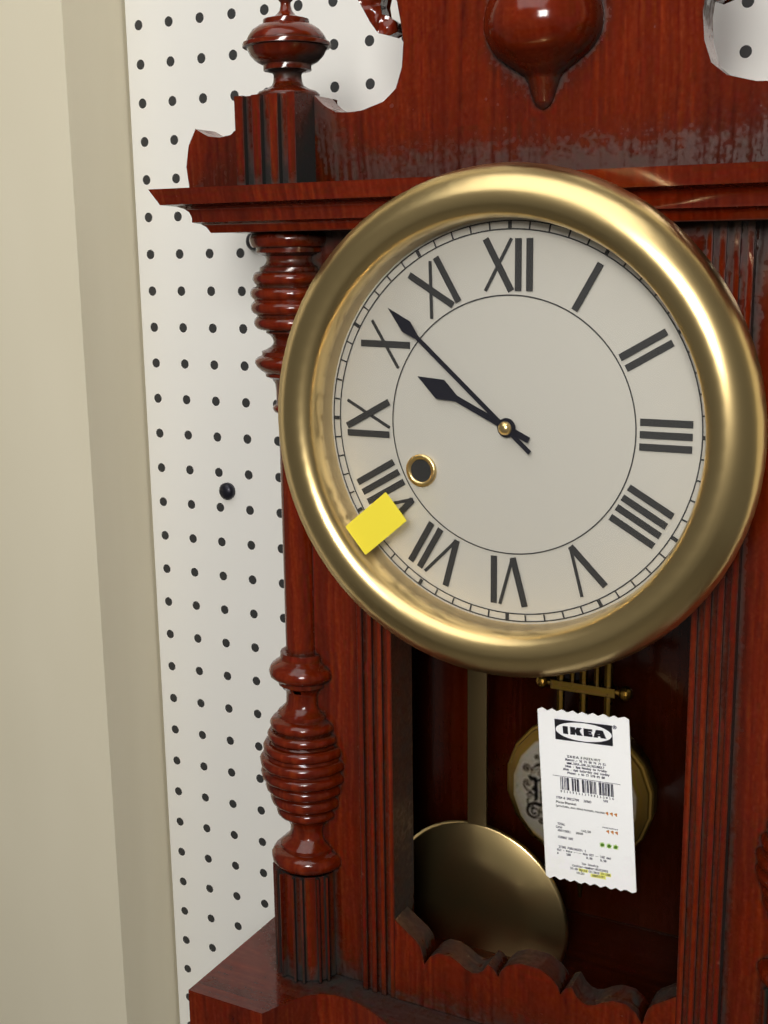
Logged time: 9 h 52 min
